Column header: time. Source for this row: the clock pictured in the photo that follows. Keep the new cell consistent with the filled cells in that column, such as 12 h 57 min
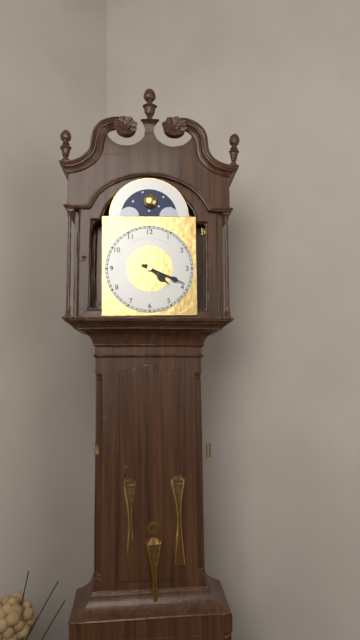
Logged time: 4 h 19 min
